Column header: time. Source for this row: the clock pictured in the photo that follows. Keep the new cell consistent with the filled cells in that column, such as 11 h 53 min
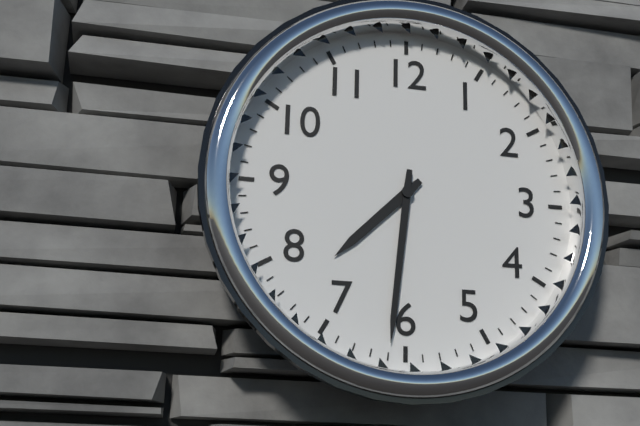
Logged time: 7 h 31 min
